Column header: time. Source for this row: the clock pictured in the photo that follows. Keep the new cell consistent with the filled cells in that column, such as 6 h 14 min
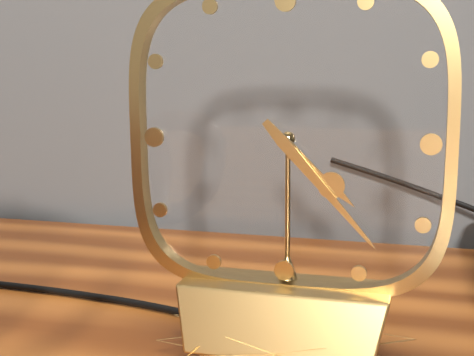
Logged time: 4 h 23 min
